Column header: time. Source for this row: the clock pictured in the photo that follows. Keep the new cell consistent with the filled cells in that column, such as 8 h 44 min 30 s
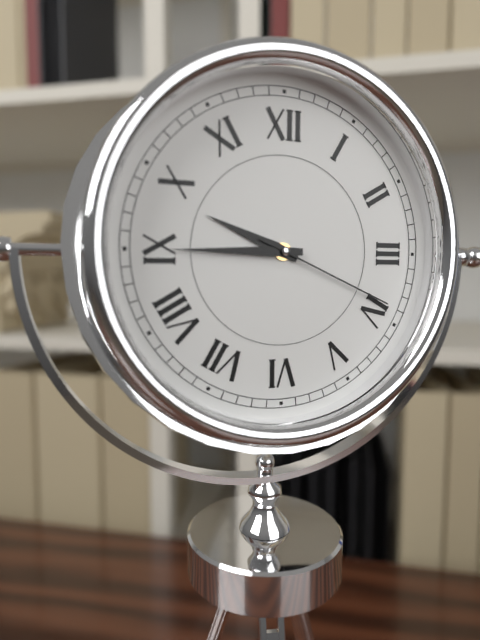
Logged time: 9 h 45 min 19 s
